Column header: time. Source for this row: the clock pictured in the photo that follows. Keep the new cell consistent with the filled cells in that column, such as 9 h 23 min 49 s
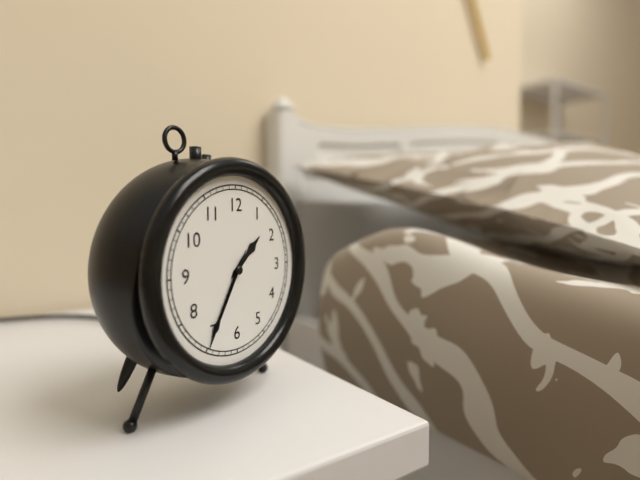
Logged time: 1 h 35 min 35 s
